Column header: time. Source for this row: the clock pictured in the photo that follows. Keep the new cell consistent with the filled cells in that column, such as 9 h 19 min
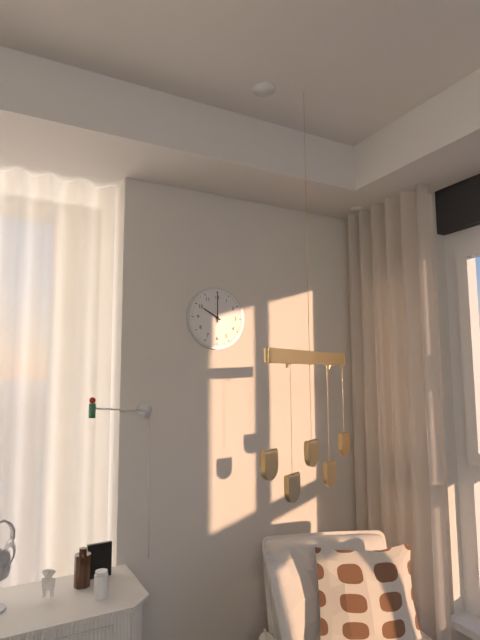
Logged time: 10 h 00 min
